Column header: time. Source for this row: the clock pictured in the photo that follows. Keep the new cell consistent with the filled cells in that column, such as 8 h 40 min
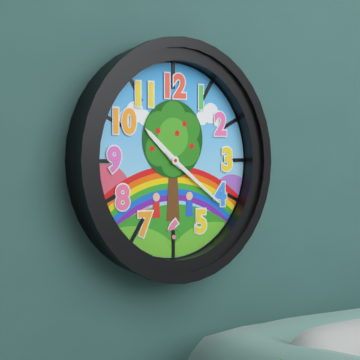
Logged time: 10 h 21 min
